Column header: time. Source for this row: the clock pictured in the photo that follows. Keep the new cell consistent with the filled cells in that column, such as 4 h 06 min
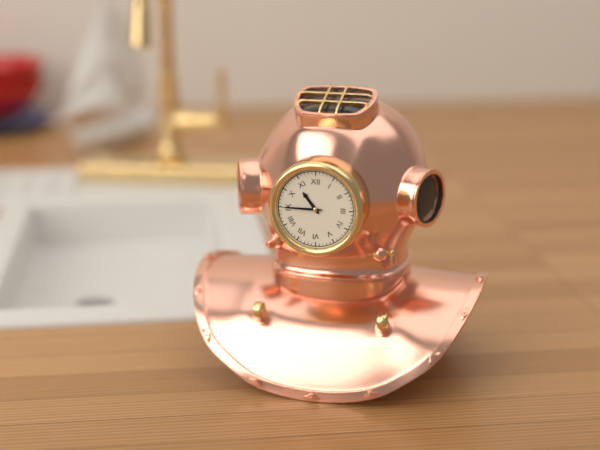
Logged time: 10 h 45 min
